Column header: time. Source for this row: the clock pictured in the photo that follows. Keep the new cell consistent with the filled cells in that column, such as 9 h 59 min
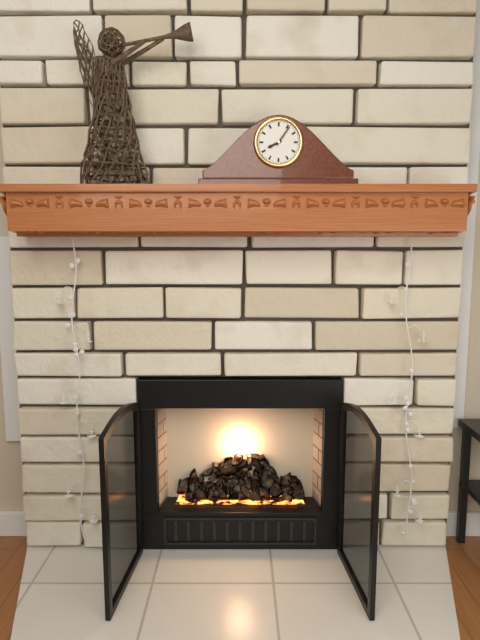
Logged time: 8 h 06 min
